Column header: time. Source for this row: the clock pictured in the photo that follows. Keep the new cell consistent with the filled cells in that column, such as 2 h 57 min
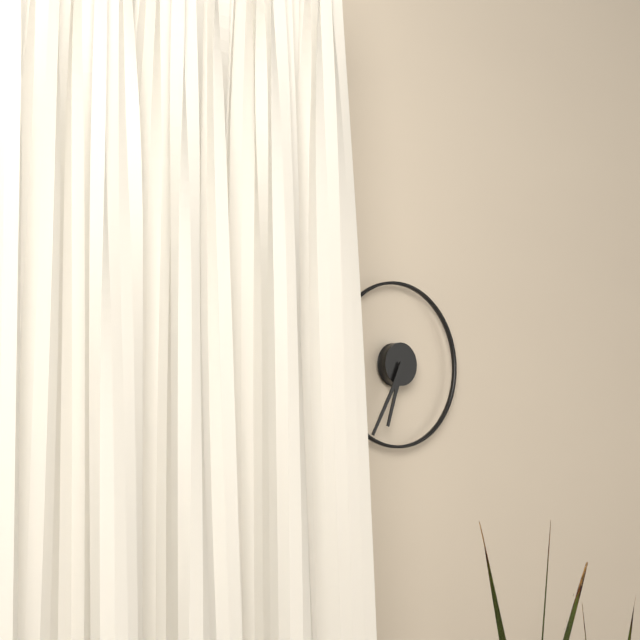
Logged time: 6 h 35 min
